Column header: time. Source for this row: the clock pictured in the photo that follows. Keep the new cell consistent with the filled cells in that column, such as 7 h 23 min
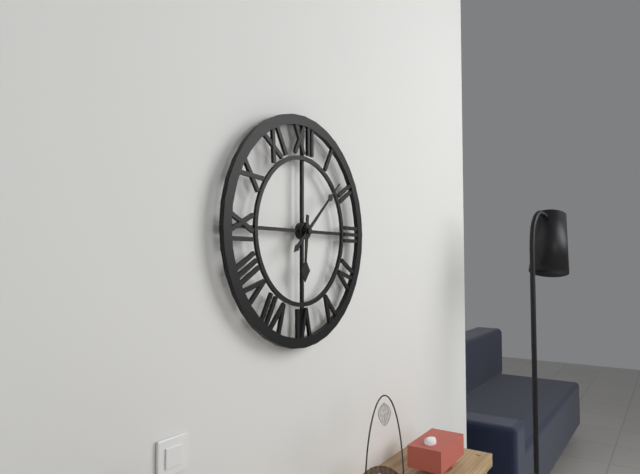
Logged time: 6 h 08 min
